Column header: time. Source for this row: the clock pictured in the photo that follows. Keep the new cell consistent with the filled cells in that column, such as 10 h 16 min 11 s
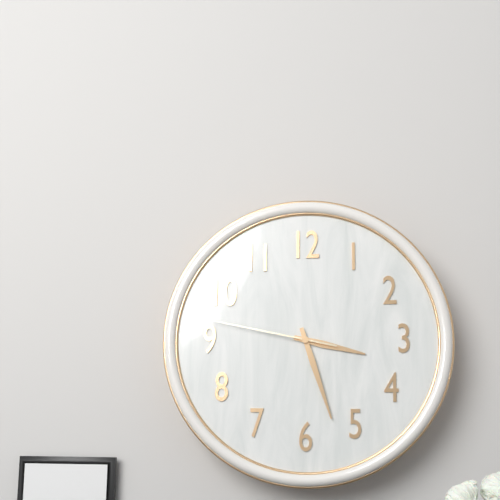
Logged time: 3 h 27 min 47 s
